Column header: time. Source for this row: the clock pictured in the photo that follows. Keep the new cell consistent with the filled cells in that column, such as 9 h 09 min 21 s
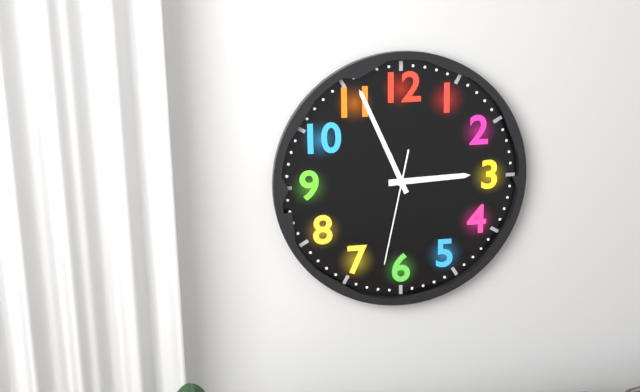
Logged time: 2 h 56 min 32 s
